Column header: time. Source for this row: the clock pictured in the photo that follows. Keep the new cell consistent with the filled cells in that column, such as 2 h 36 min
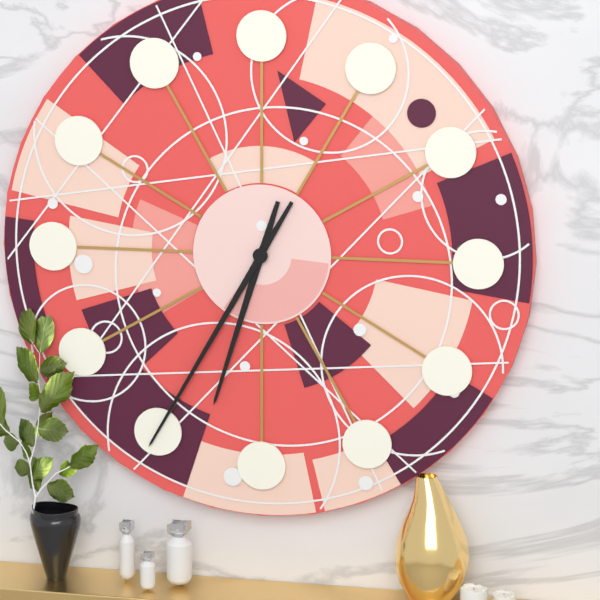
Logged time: 6 h 35 min
